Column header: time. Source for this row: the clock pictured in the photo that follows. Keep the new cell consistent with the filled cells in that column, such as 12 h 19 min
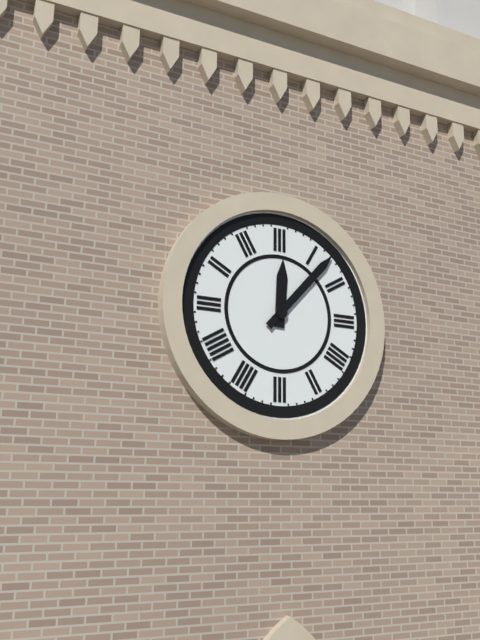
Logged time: 12 h 07 min
